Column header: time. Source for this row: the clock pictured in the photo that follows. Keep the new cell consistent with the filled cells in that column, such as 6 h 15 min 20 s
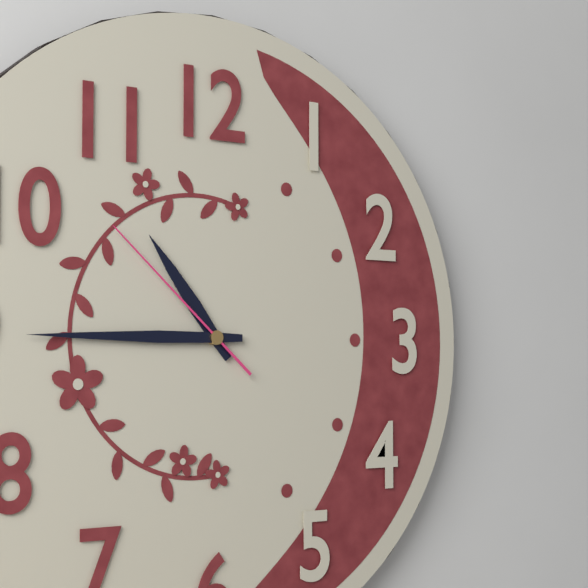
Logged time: 10 h 45 min 52 s
